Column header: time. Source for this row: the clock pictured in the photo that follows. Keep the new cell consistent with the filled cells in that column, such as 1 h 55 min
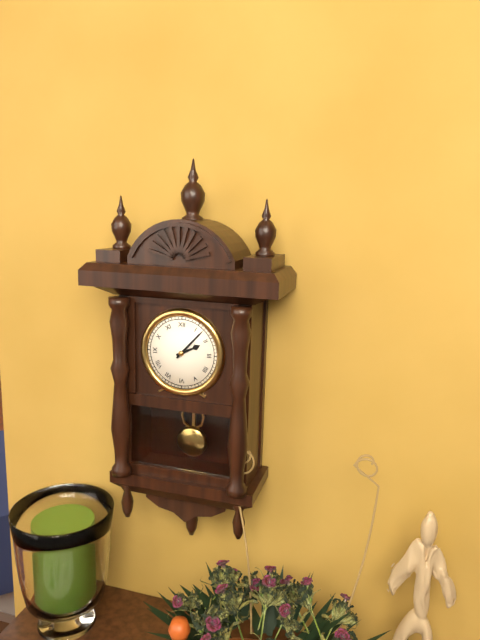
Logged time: 2 h 07 min
